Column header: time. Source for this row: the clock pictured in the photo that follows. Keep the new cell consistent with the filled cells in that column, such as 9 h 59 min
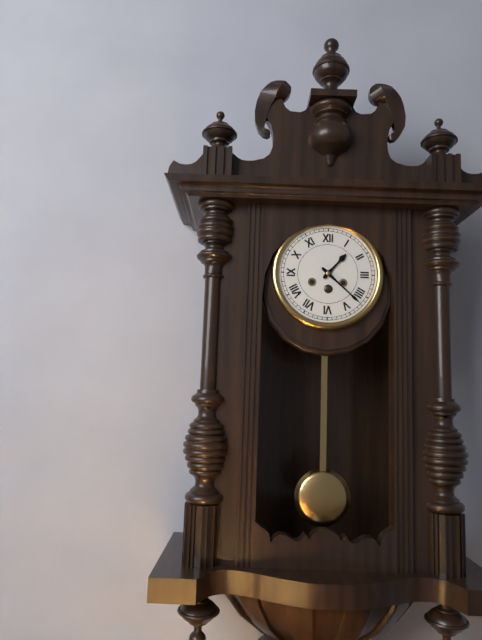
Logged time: 1 h 22 min
